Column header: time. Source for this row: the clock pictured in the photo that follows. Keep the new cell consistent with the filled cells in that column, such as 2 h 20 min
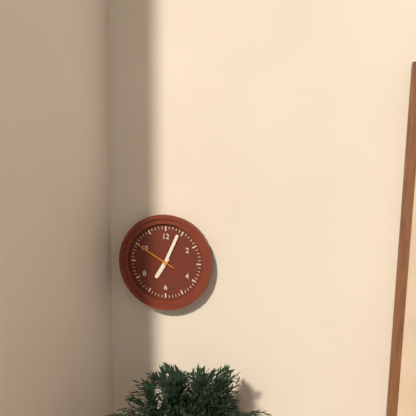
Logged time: 7 h 04 min
